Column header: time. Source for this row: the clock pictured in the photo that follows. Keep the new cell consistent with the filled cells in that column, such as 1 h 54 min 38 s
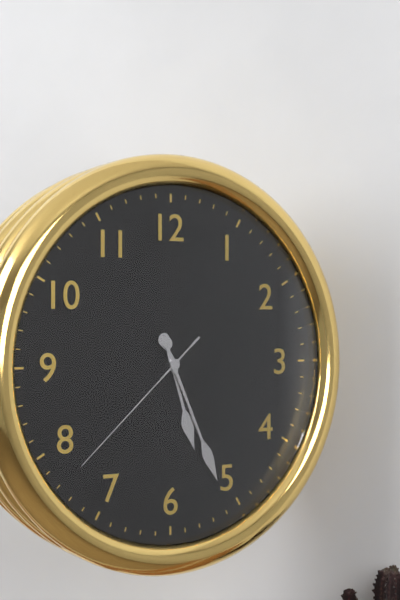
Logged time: 5 h 26 min 38 s
